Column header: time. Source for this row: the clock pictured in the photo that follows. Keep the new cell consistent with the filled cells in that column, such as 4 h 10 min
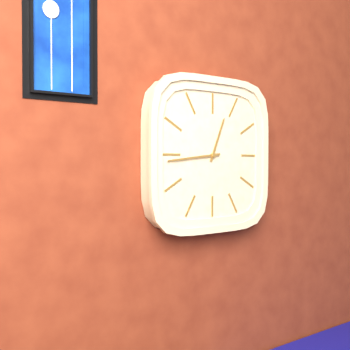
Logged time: 12 h 44 min
